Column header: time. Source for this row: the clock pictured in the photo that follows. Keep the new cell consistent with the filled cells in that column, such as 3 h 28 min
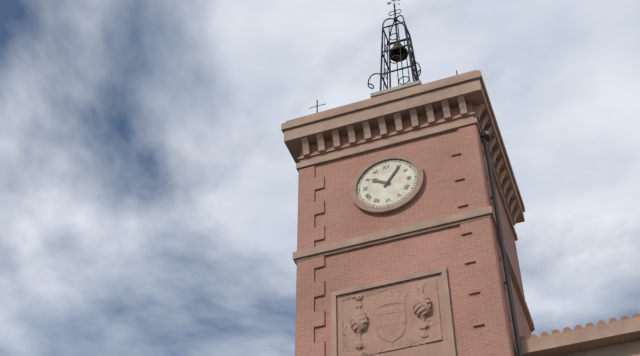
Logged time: 10 h 06 min
